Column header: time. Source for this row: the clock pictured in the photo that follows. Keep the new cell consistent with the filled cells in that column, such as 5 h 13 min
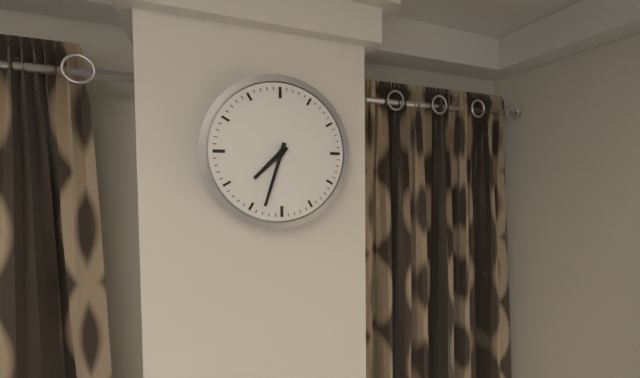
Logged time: 7 h 33 min
